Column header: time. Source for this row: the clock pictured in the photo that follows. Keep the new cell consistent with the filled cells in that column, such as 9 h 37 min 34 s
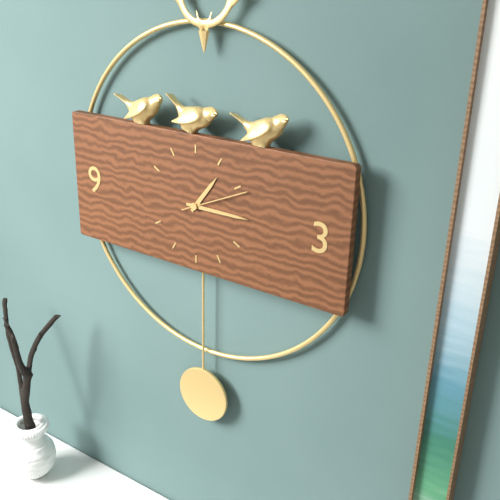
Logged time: 1 h 15 min 11 s
